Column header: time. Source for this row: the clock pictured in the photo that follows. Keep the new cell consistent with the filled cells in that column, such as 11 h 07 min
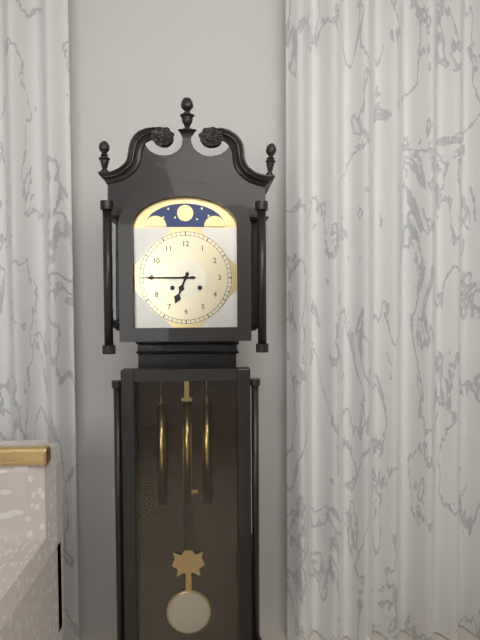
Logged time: 6 h 45 min
